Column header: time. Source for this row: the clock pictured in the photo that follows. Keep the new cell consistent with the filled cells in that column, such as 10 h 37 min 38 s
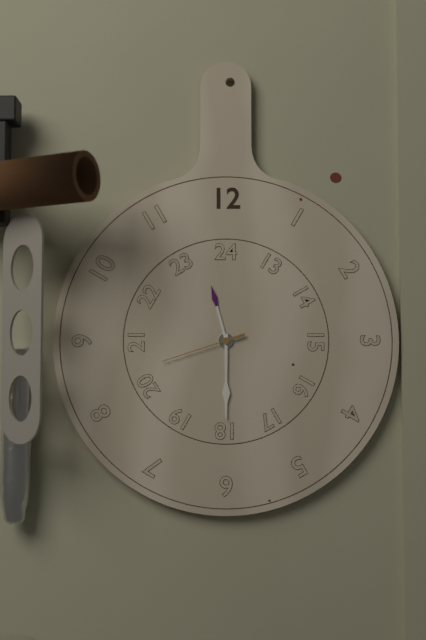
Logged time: 11 h 30 min 42 s
